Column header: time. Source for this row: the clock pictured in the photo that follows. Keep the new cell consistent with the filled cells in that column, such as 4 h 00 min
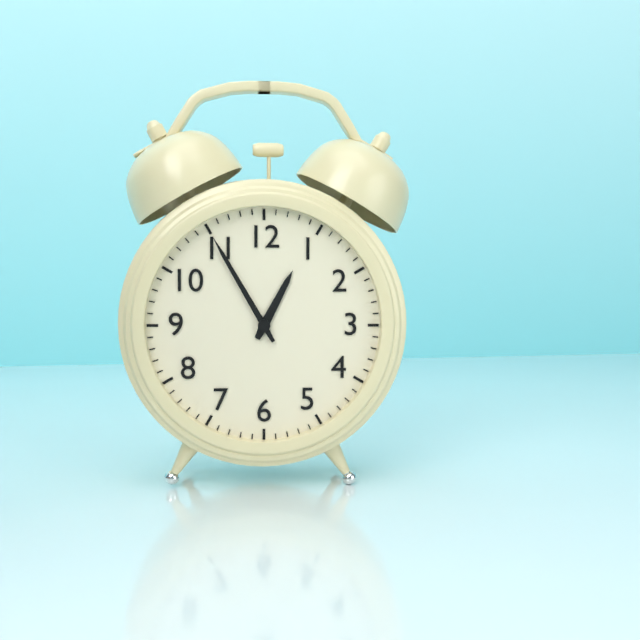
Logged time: 12 h 55 min
